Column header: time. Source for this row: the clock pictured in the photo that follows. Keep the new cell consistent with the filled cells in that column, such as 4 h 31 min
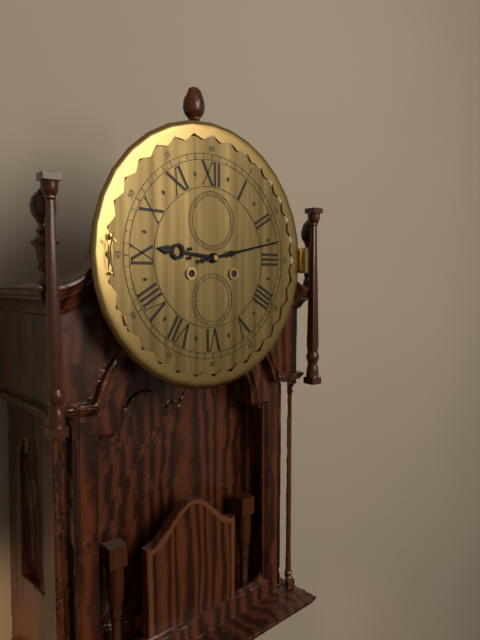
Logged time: 9 h 13 min
